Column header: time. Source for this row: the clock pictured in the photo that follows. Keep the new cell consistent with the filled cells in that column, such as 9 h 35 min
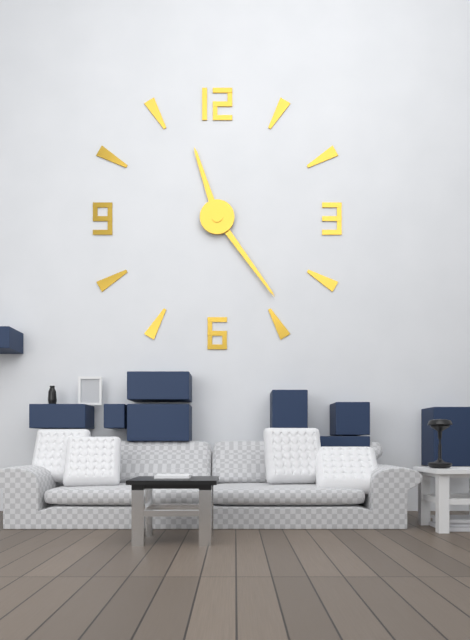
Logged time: 11 h 24 min
